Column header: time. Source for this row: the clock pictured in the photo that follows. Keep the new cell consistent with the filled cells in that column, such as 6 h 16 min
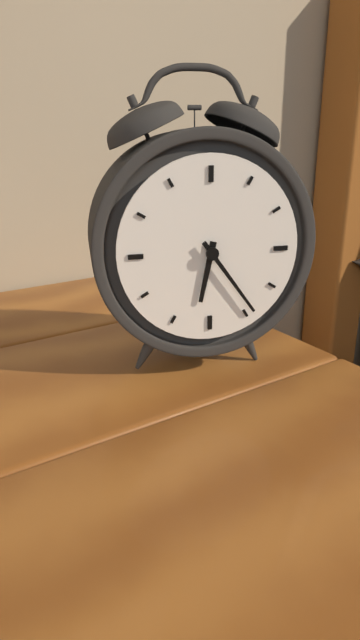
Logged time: 6 h 24 min
